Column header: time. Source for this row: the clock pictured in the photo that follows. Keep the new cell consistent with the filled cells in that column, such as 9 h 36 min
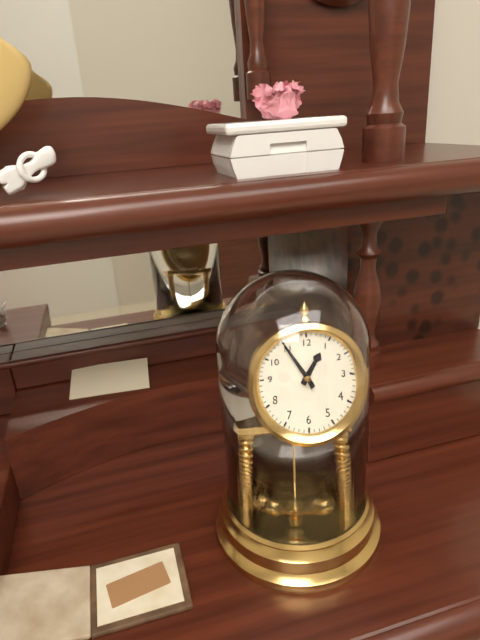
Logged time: 12 h 55 min
